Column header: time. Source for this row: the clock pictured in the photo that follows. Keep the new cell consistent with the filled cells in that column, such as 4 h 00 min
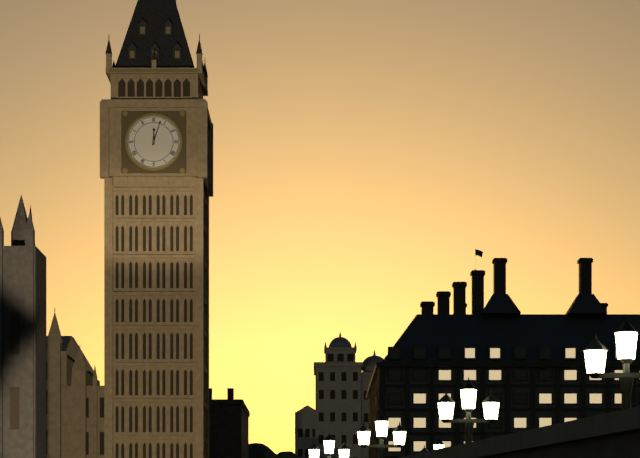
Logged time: 12 h 03 min
